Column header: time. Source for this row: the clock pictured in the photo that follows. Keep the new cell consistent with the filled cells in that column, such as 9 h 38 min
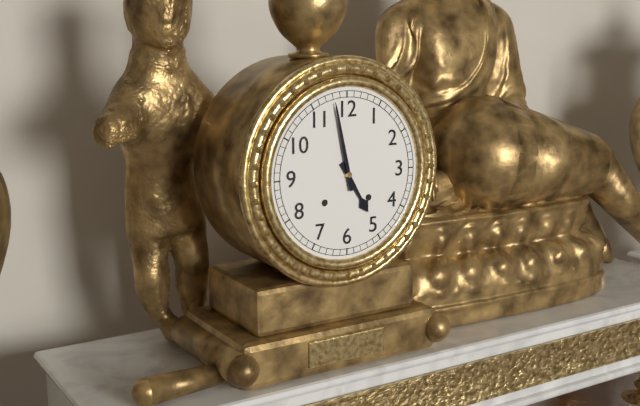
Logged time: 4 h 58 min
